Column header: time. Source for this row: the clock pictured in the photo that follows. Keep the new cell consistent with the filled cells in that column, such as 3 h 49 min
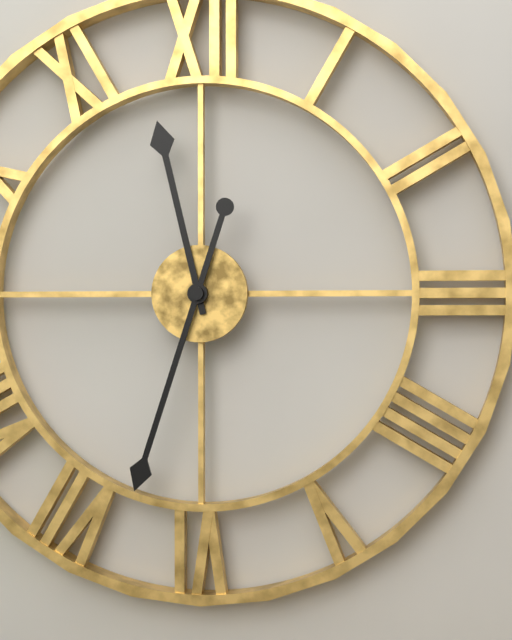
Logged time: 11 h 33 min
